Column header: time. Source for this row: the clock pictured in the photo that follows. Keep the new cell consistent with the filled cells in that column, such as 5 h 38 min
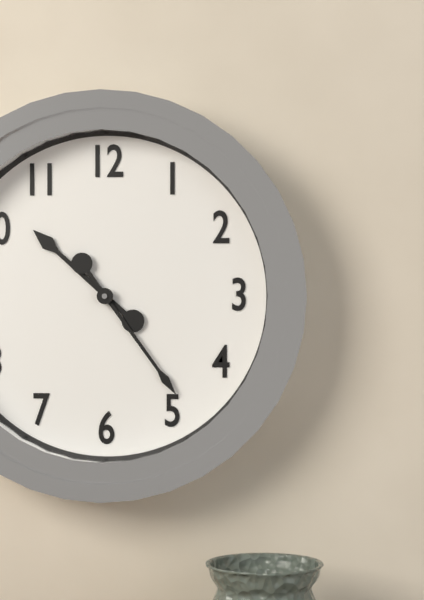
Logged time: 10 h 24 min
